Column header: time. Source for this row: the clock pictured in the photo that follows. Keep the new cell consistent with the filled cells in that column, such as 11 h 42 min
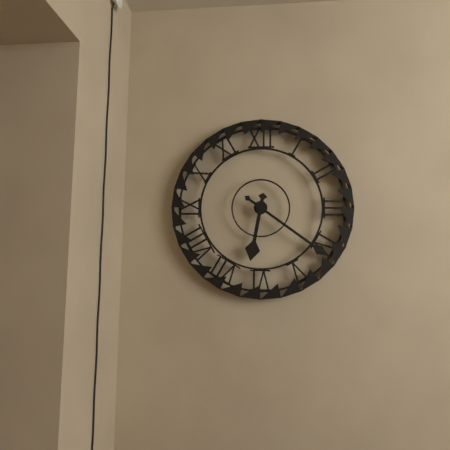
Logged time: 6 h 21 min
